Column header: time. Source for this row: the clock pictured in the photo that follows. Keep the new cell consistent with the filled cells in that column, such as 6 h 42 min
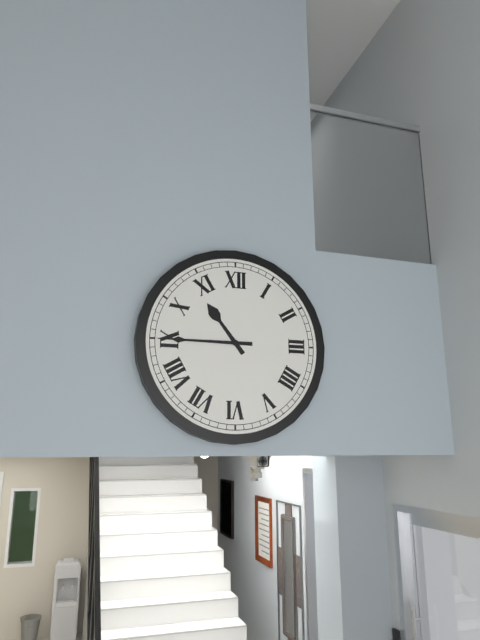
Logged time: 10 h 45 min
